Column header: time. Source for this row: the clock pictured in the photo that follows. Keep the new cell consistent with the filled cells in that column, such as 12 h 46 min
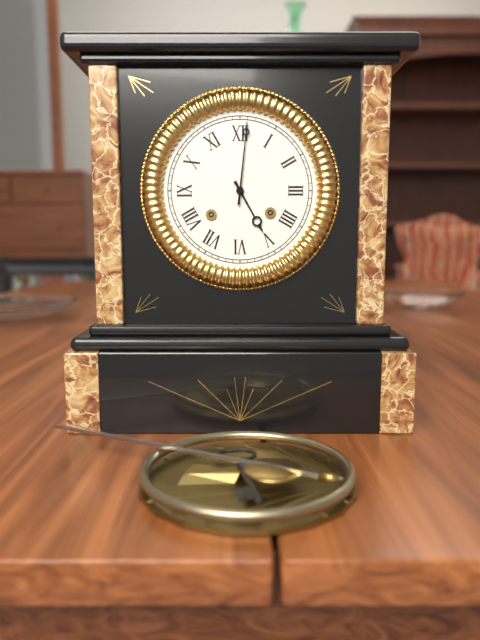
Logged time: 5 h 01 min
